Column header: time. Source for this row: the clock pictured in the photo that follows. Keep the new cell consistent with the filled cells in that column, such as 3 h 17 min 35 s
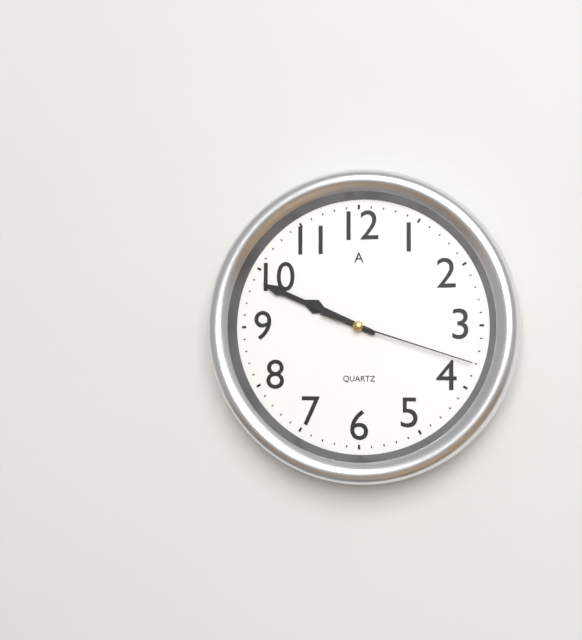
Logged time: 9 h 49 min 18 s
